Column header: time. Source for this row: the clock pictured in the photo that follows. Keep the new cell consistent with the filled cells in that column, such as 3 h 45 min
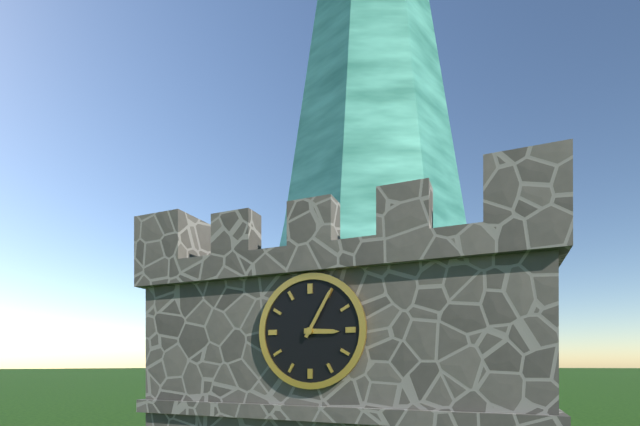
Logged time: 3 h 05 min
